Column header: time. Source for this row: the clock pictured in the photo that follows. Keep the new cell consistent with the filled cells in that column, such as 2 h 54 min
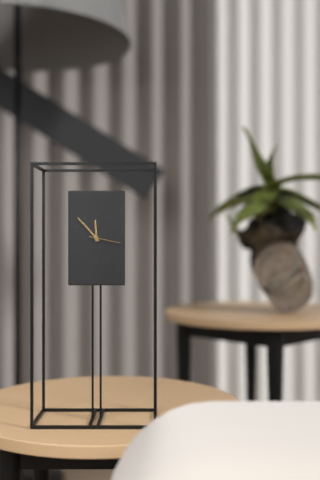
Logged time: 11 h 53 min
